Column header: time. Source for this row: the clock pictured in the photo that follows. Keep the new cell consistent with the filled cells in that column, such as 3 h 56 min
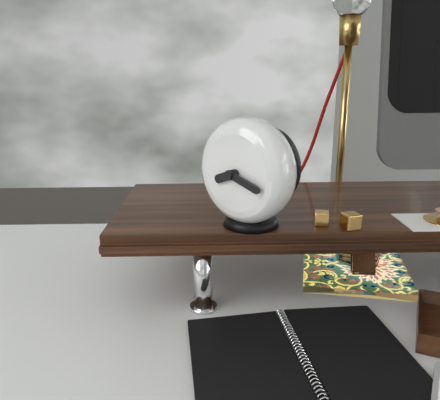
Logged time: 8 h 18 min
